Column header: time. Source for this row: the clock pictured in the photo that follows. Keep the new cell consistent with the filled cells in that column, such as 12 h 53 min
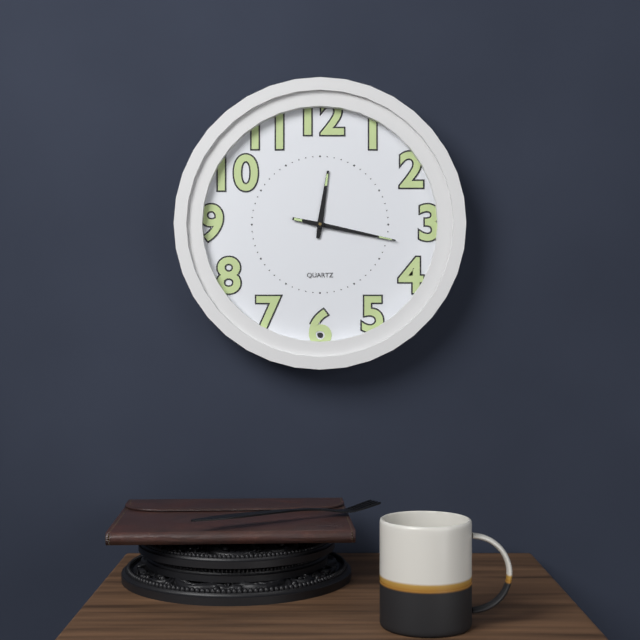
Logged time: 12 h 17 min
